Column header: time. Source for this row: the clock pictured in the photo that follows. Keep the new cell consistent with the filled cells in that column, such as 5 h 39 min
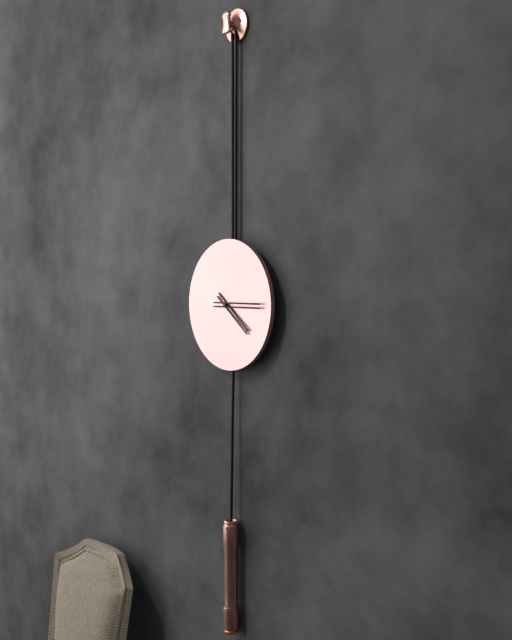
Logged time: 4 h 15 min
